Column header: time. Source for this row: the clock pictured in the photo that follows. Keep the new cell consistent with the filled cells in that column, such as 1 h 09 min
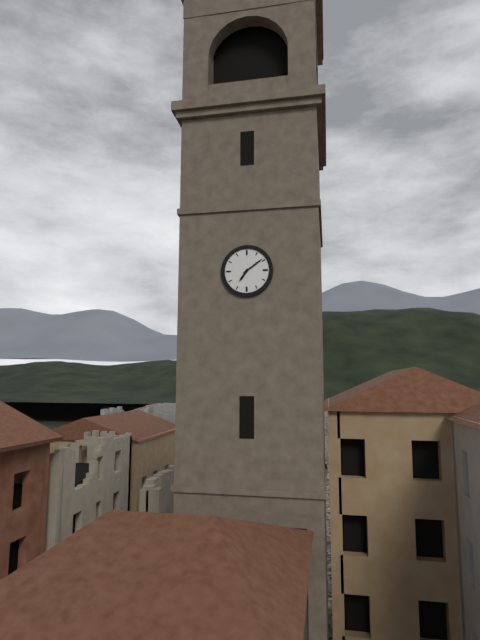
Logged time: 7 h 09 min
